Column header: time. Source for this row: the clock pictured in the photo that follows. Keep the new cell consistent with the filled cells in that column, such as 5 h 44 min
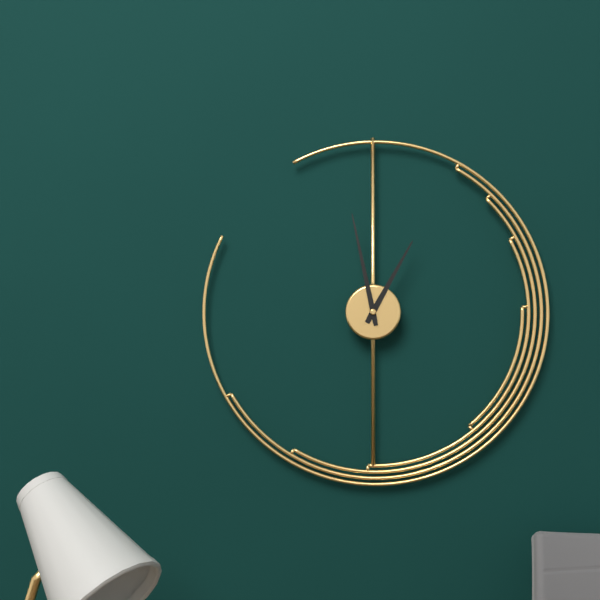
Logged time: 12 h 58 min
